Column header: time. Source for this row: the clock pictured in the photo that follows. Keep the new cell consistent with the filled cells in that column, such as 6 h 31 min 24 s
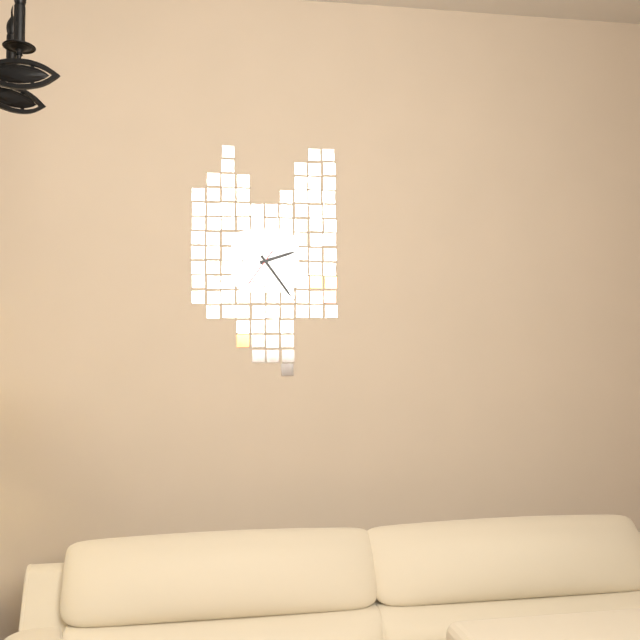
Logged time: 2 h 24 min 36 s
